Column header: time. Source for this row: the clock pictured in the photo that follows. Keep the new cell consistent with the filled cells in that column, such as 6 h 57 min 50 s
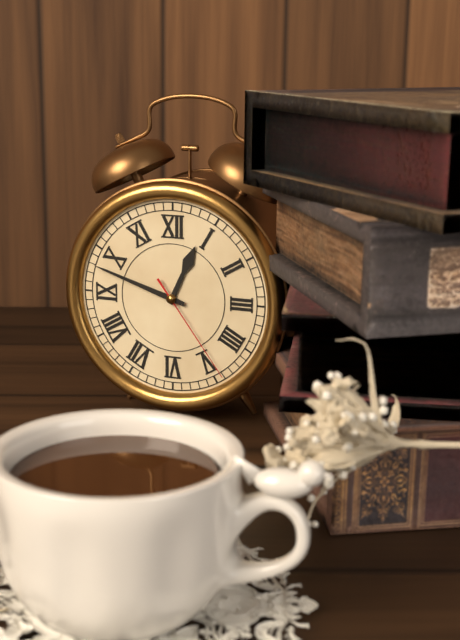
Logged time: 12 h 48 min 24 s
